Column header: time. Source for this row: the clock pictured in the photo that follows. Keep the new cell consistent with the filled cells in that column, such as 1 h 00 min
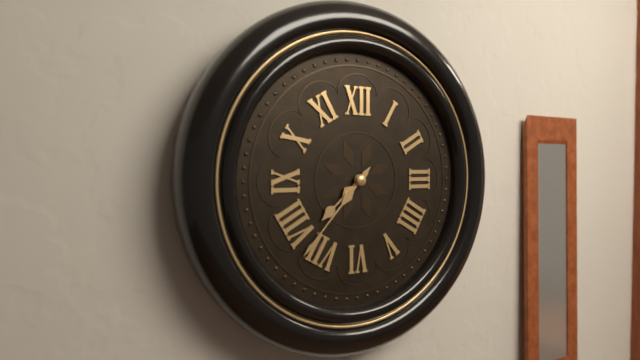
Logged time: 7 h 37 min
